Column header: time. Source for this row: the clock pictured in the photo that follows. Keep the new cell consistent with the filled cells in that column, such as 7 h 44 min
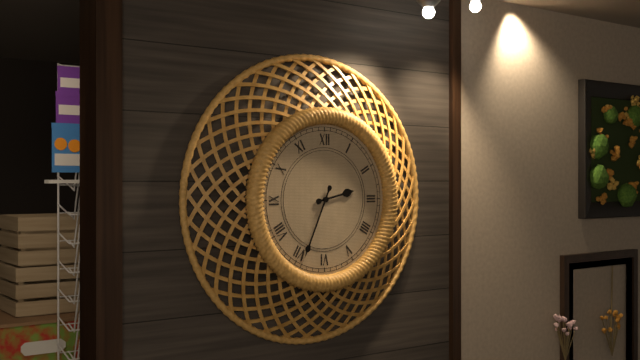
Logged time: 2 h 34 min
